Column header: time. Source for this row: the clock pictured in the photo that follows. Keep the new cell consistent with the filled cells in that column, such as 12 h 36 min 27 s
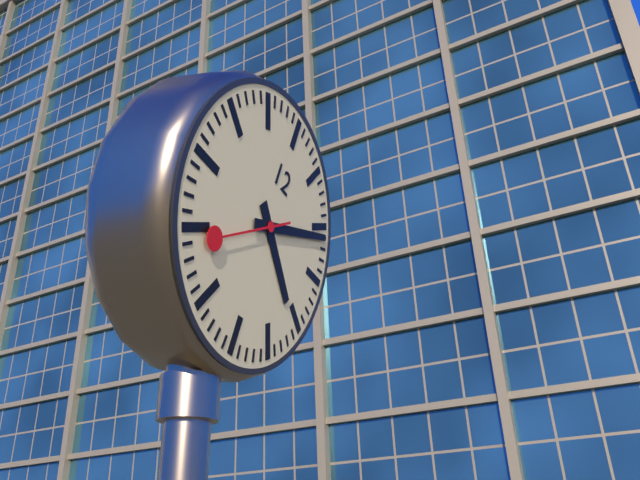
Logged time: 4 h 11 min 39 s
